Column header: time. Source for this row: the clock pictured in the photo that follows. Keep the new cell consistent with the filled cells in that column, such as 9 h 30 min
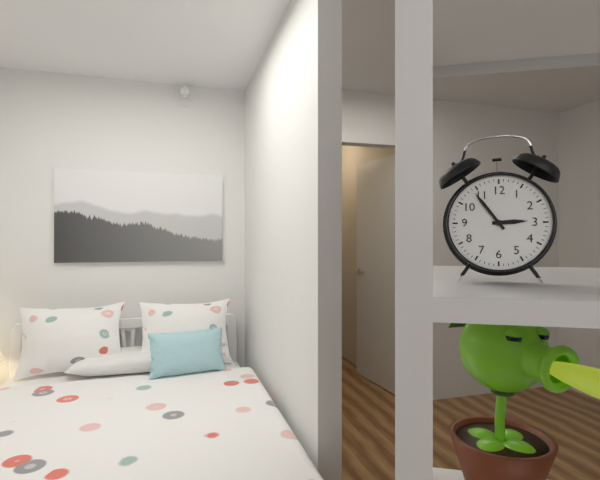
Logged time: 2 h 54 min
